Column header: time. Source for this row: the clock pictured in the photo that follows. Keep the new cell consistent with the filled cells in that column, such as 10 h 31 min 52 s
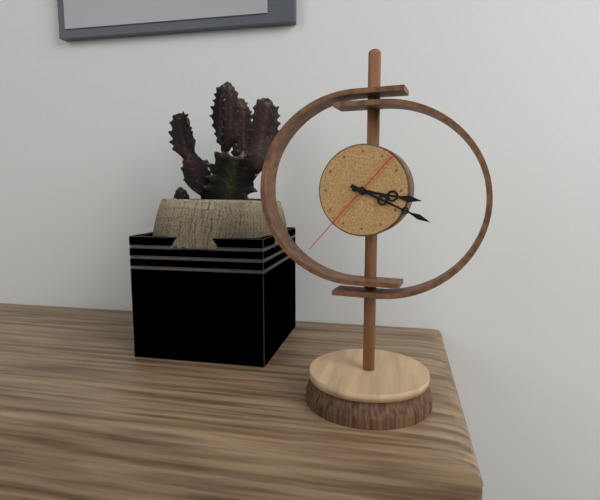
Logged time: 3 h 19 min 37 s
